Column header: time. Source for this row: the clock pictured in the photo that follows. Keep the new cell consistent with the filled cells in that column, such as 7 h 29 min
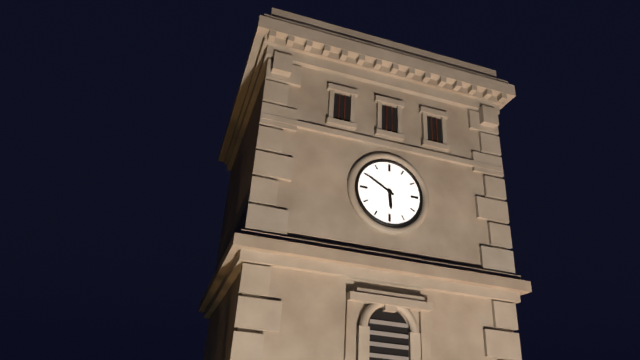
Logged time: 5 h 50 min
